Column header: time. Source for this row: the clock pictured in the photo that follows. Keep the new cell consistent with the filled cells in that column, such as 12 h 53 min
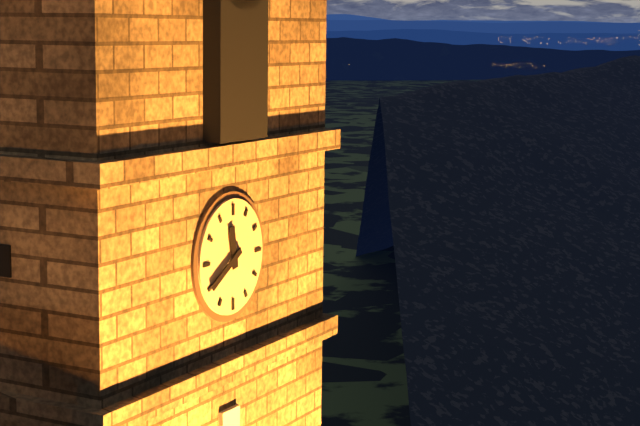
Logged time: 11 h 40 min
